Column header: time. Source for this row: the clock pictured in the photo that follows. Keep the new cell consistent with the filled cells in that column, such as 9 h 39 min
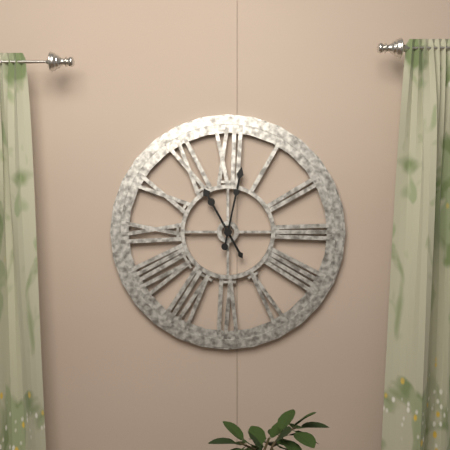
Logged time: 11 h 02 min
